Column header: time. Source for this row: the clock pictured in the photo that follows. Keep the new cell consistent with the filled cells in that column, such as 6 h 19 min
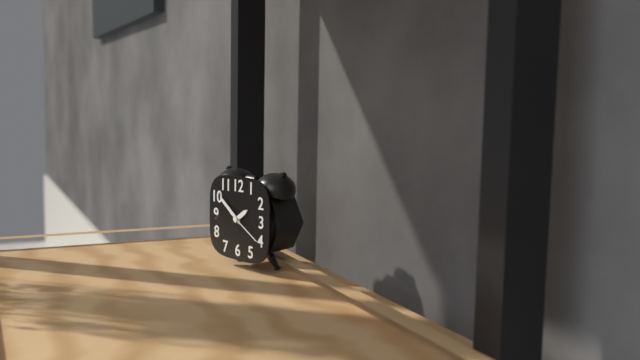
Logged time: 1 h 51 min
